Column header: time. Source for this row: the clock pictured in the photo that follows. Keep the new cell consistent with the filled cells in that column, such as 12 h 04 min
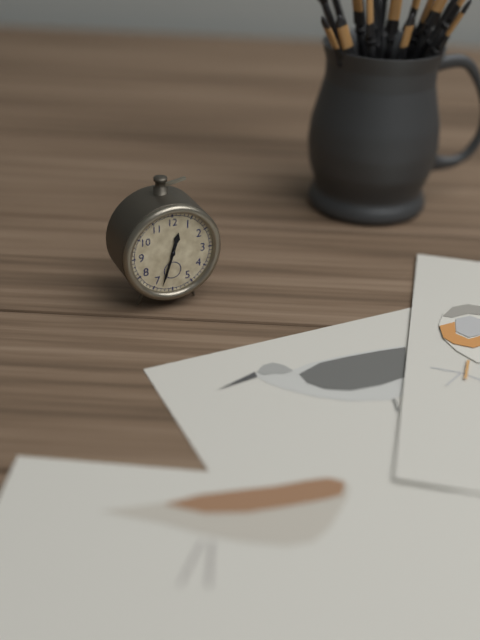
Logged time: 12 h 33 min
